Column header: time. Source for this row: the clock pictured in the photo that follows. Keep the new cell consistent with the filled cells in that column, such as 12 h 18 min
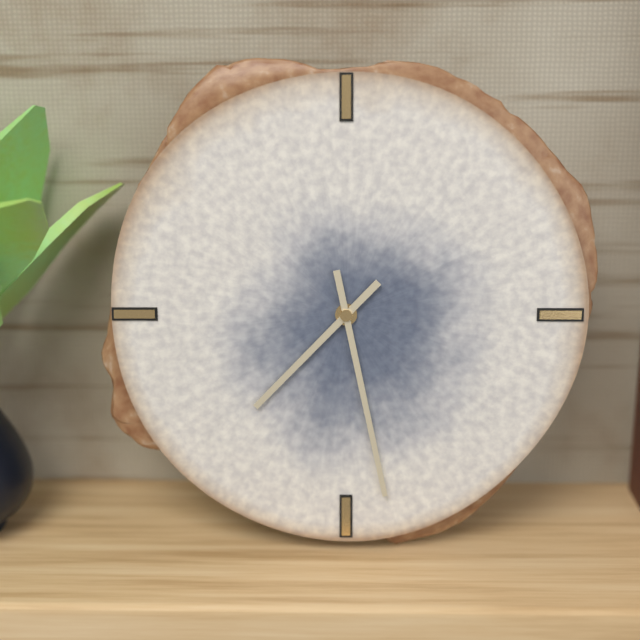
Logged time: 7 h 28 min
